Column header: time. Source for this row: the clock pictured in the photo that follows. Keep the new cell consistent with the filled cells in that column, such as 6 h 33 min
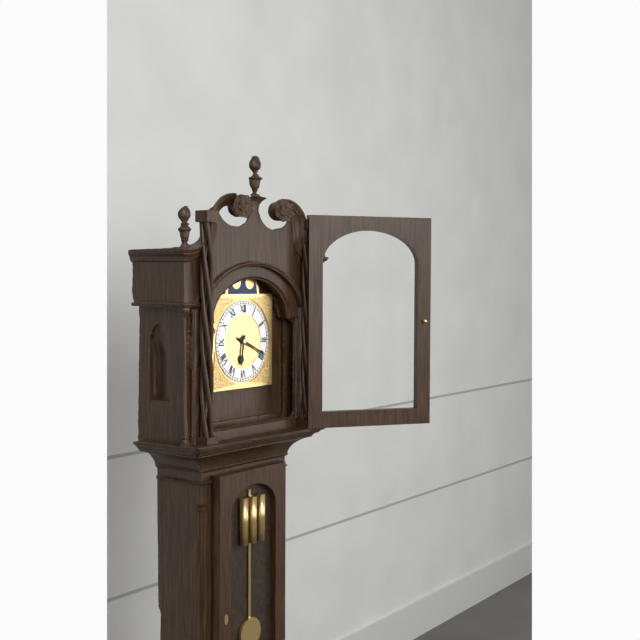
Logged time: 6 h 19 min
